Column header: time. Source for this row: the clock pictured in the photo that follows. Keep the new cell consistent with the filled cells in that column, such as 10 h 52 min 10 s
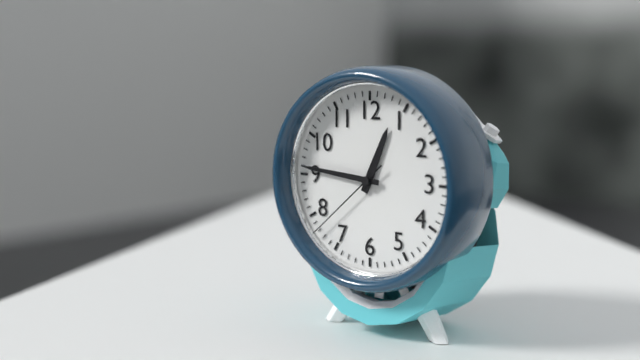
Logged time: 12 h 46 min 38 s
